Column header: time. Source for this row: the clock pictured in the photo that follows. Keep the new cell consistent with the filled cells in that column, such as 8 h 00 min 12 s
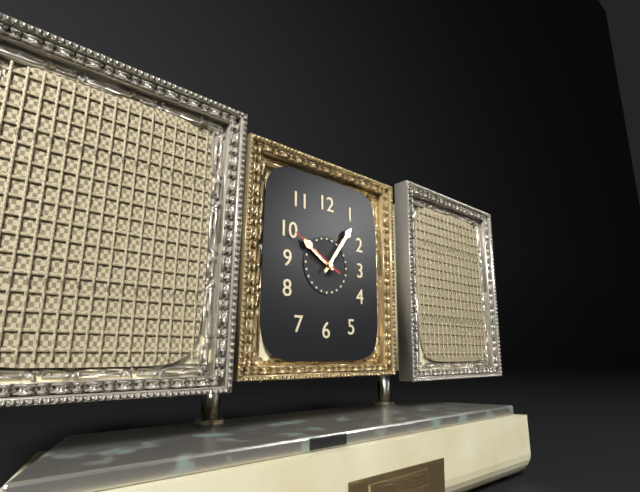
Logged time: 10 h 06 min 50 s
